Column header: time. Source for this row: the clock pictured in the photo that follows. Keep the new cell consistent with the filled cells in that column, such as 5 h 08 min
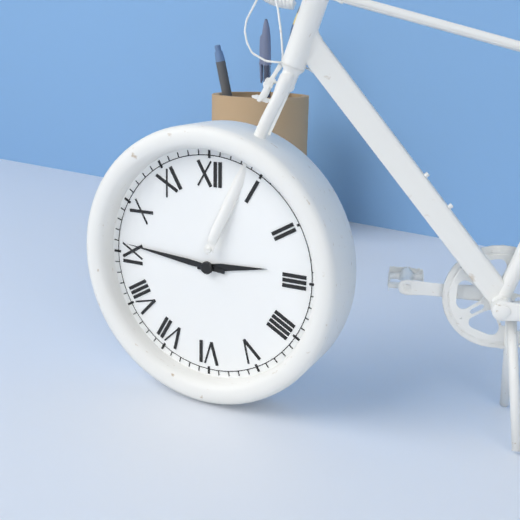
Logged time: 2 h 46 min
